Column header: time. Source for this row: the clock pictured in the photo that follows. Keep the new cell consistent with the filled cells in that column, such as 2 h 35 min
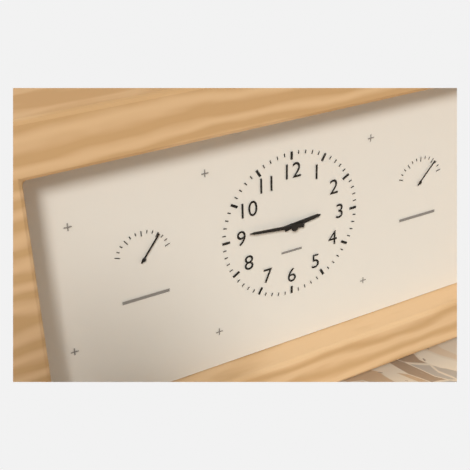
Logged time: 2 h 46 min
